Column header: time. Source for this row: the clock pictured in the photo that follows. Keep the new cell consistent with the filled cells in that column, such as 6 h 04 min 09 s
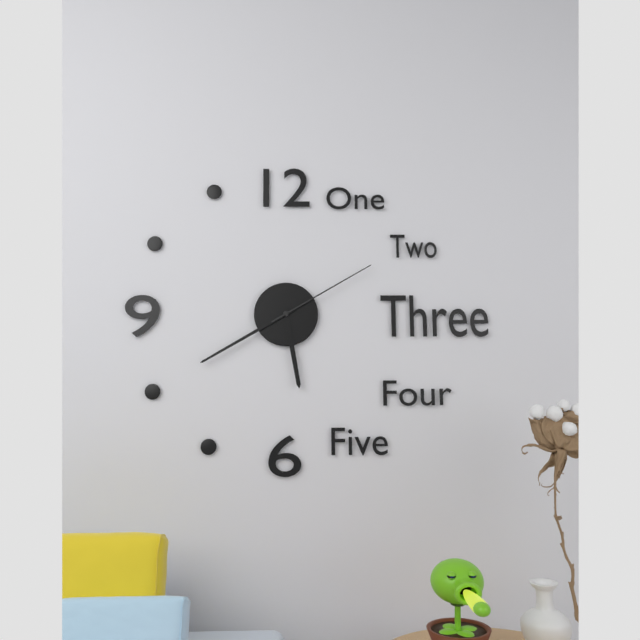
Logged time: 5 h 40 min 10 s
